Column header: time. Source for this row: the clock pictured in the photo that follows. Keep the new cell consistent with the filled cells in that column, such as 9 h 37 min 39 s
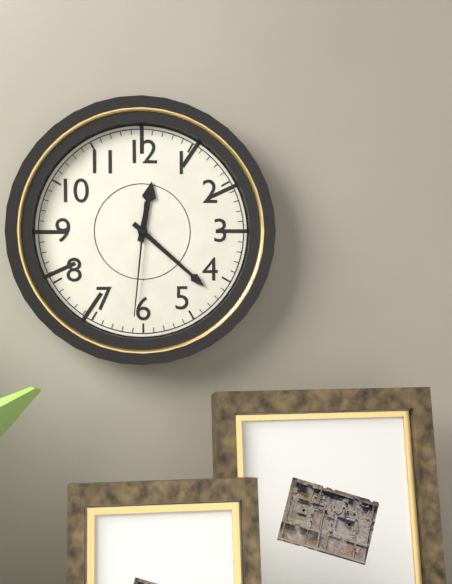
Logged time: 12 h 22 min 31 s
